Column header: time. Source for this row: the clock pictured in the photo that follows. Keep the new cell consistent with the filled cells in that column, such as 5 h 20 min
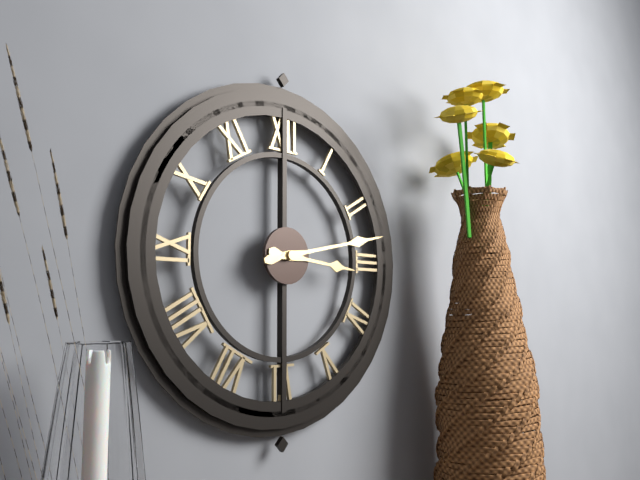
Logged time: 3 h 13 min
